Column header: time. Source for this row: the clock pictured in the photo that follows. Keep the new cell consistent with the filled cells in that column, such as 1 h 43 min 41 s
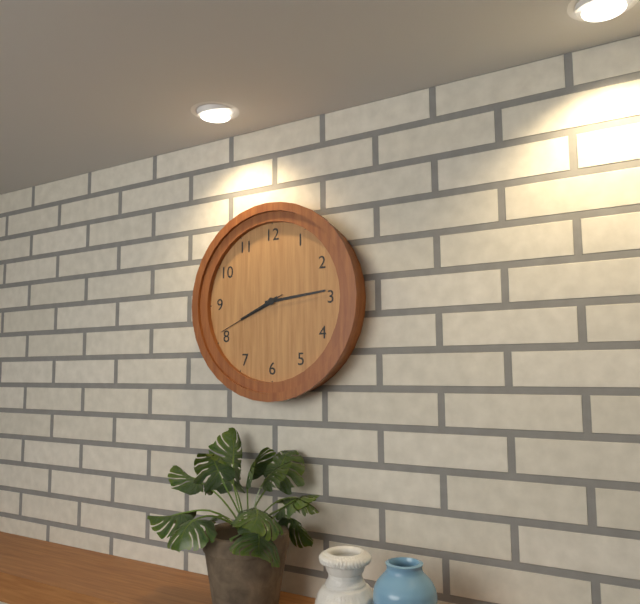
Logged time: 8 h 14 min 41 s
